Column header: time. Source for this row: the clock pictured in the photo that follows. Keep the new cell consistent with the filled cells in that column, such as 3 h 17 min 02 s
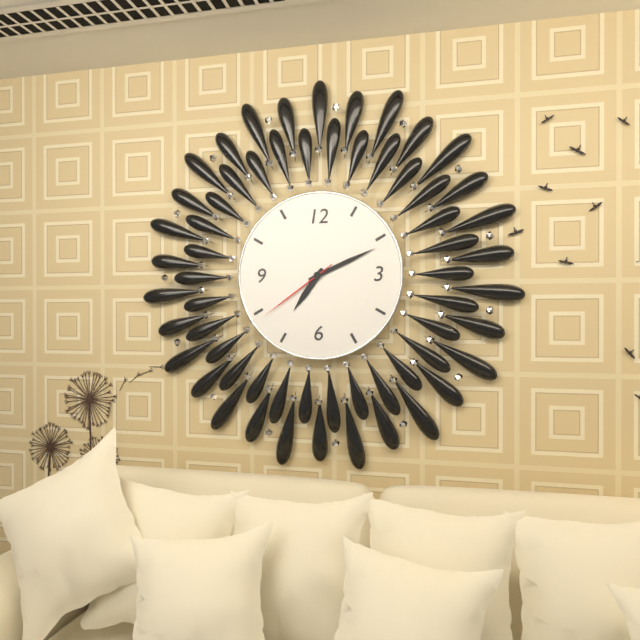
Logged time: 7 h 11 min 39 s
